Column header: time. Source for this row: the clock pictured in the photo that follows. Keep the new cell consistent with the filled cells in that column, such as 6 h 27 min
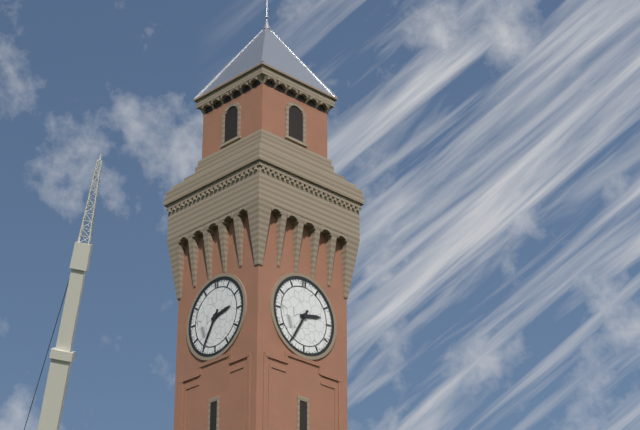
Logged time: 2 h 35 min
